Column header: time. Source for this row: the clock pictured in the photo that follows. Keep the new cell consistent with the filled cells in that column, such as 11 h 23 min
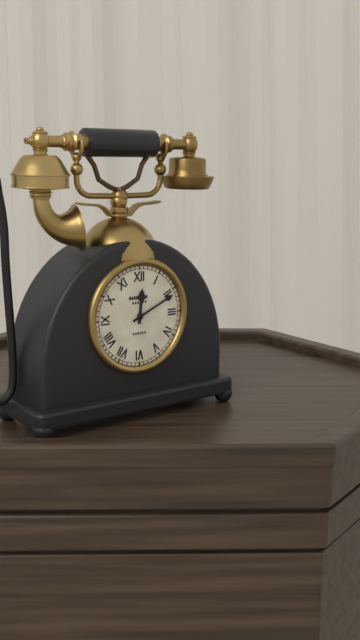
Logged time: 12 h 11 min
